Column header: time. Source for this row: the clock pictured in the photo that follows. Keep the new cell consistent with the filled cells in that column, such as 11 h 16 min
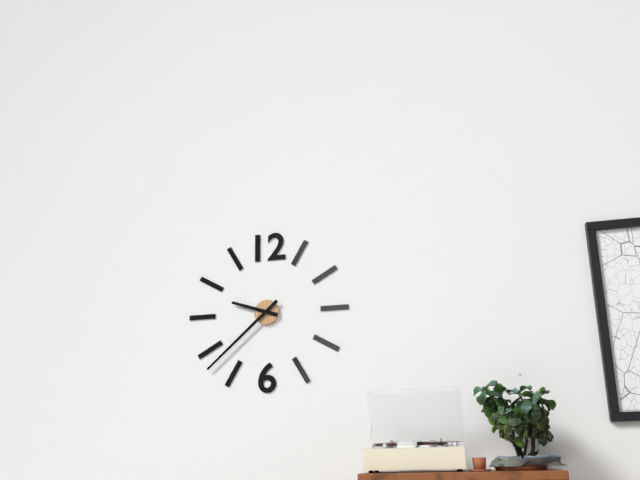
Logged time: 9 h 38 min
